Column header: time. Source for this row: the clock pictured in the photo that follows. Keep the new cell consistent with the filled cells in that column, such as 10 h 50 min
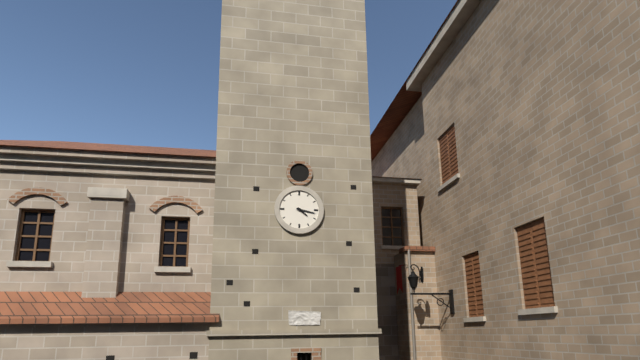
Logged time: 4 h 17 min
